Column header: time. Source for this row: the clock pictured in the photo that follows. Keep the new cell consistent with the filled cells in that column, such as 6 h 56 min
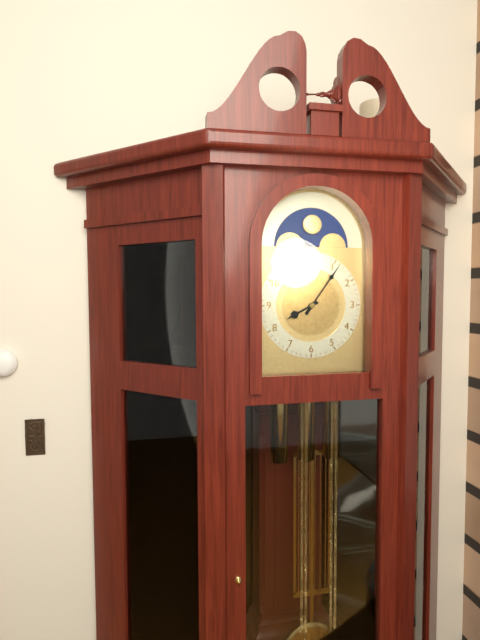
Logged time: 8 h 06 min
